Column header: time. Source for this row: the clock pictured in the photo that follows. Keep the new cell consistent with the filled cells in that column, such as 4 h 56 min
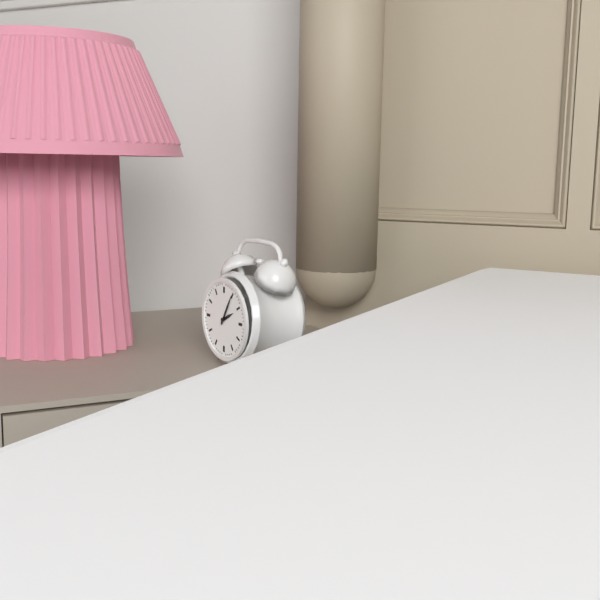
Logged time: 2 h 05 min
